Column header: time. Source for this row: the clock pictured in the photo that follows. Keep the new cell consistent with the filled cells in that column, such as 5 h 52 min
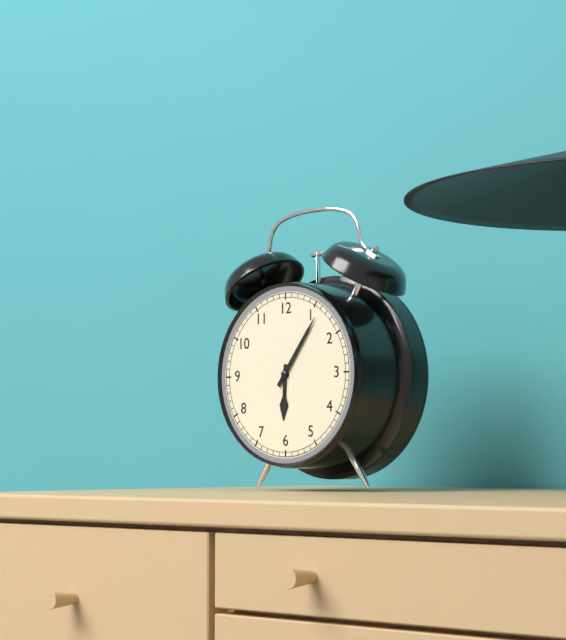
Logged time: 6 h 06 min
